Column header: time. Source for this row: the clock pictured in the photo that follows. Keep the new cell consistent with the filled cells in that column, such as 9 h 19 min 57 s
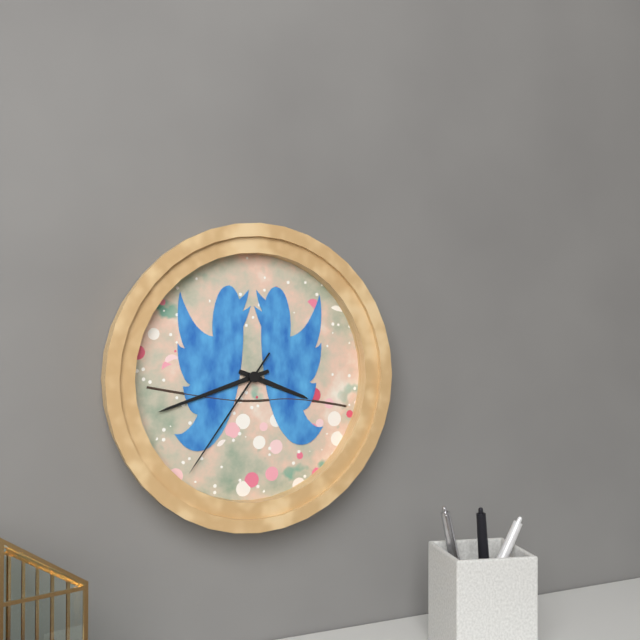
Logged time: 3 h 42 min 36 s
